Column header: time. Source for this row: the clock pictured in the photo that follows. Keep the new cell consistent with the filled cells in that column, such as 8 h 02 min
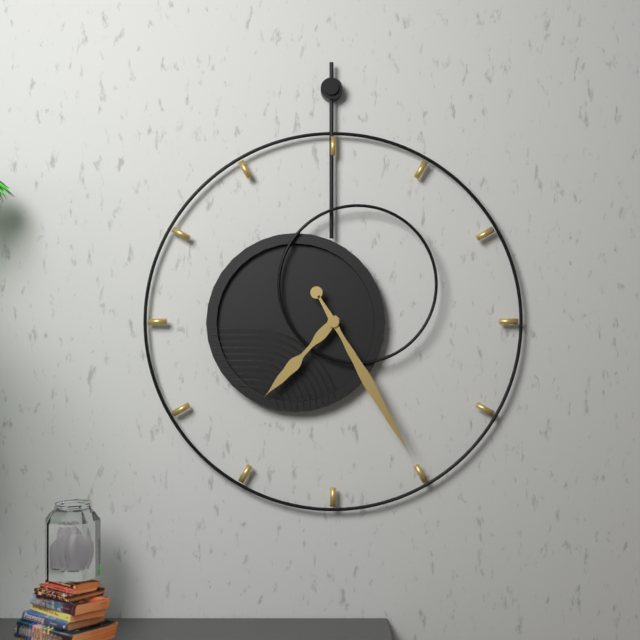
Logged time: 7 h 25 min
